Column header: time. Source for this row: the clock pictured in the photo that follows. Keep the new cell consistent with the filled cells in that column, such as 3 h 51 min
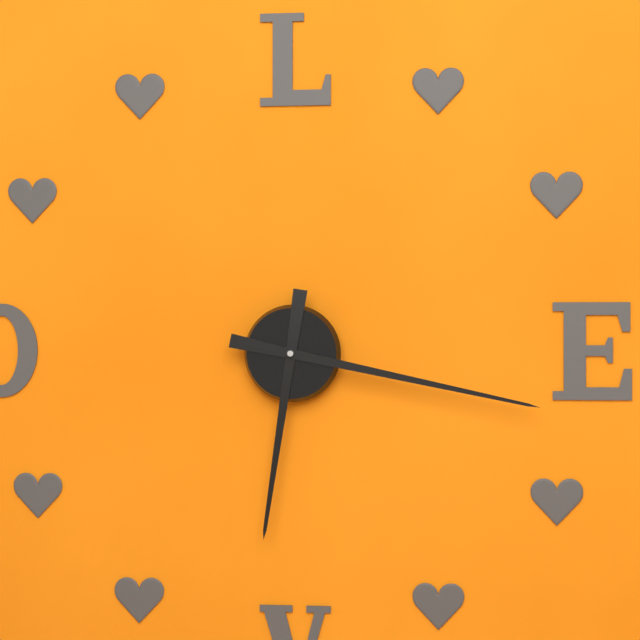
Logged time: 6 h 17 min
